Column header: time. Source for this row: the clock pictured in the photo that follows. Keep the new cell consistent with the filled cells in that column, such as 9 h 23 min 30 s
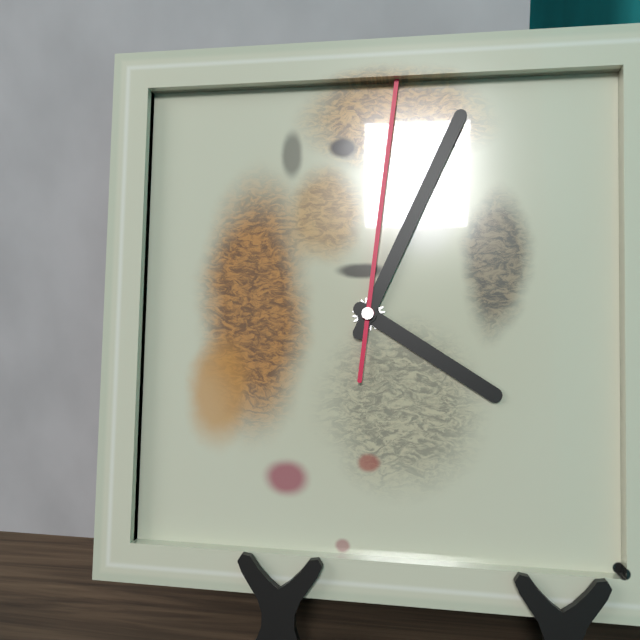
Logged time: 4 h 04 min 01 s
